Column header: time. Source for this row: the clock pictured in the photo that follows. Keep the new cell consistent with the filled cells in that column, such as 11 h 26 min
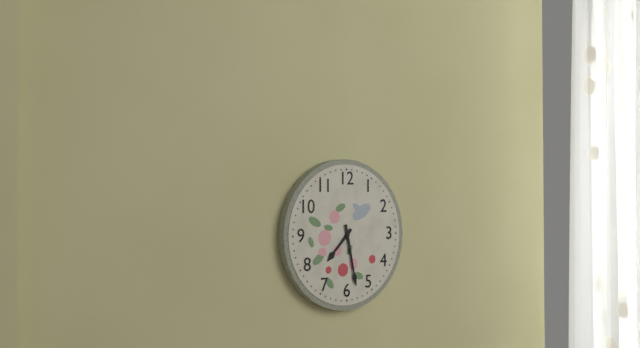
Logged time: 7 h 28 min
